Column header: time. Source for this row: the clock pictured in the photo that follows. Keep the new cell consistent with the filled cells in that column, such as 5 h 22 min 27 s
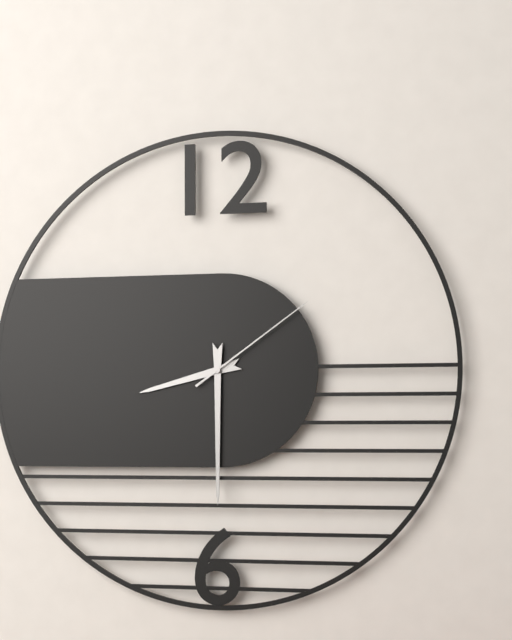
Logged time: 8 h 30 min 09 s
